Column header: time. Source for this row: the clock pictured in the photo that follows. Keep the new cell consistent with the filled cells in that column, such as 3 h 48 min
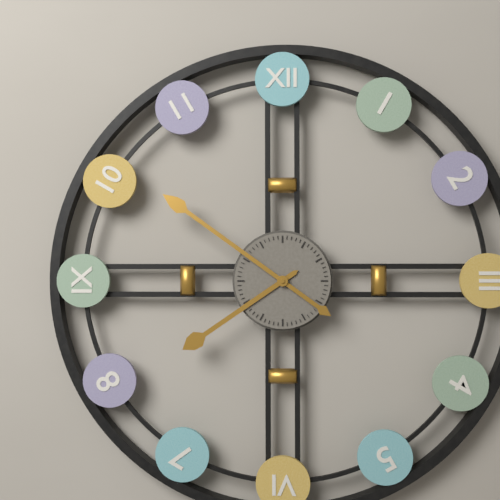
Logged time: 7 h 51 min
